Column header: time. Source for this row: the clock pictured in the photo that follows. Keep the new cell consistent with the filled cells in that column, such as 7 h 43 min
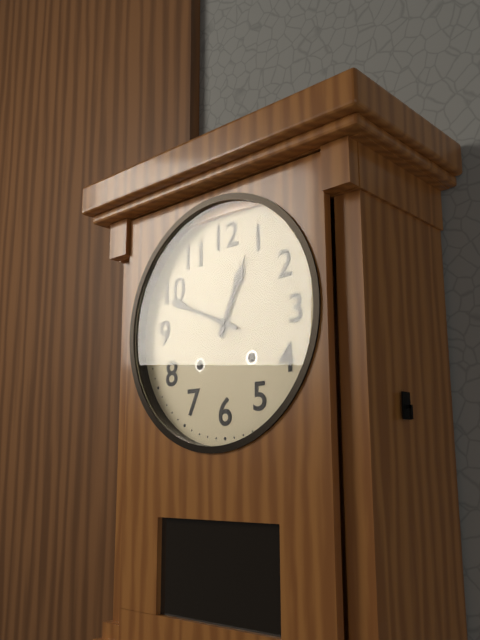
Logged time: 12 h 49 min
